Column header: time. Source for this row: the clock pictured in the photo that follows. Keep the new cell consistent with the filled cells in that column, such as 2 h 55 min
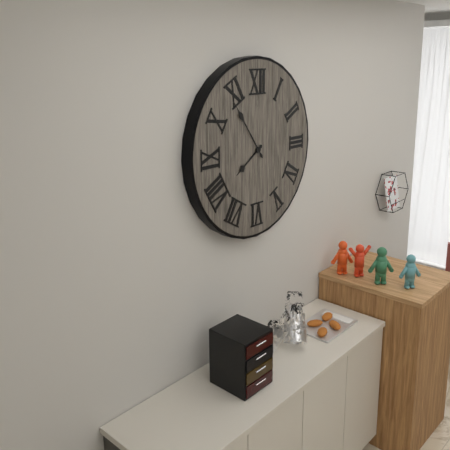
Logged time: 7 h 54 min
